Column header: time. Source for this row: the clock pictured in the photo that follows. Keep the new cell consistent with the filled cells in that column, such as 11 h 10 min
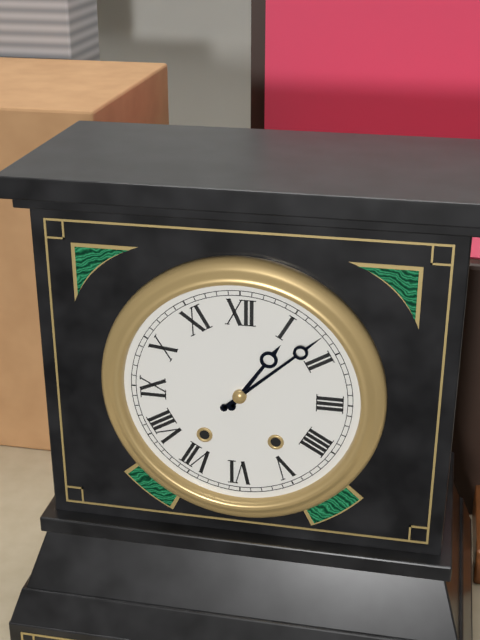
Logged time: 1 h 08 min
